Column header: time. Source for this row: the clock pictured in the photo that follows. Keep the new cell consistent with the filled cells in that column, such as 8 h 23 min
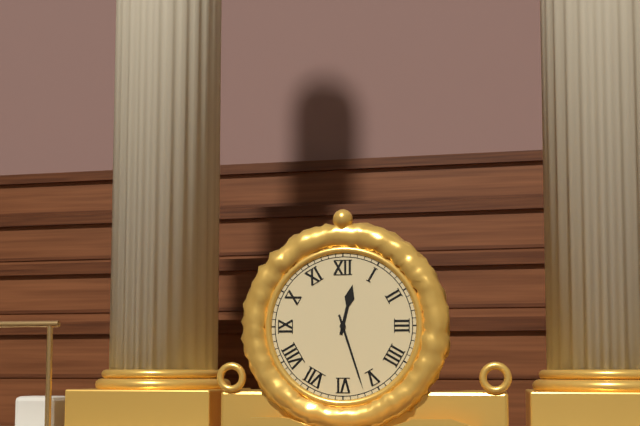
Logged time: 12 h 27 min
